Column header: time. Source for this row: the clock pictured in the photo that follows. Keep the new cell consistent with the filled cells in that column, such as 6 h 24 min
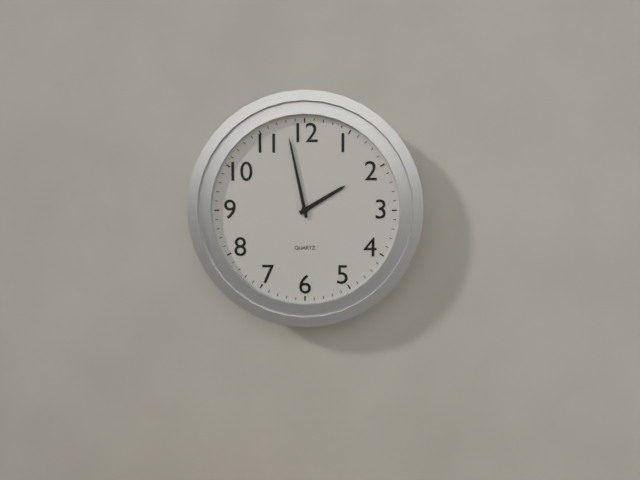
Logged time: 1 h 58 min
